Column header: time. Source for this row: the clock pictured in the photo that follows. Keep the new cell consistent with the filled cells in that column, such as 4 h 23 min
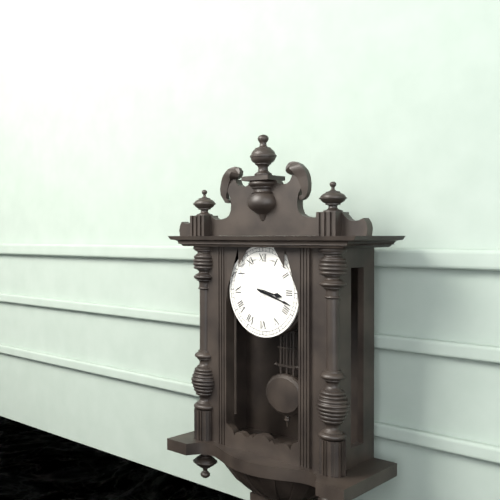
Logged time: 3 h 18 min
